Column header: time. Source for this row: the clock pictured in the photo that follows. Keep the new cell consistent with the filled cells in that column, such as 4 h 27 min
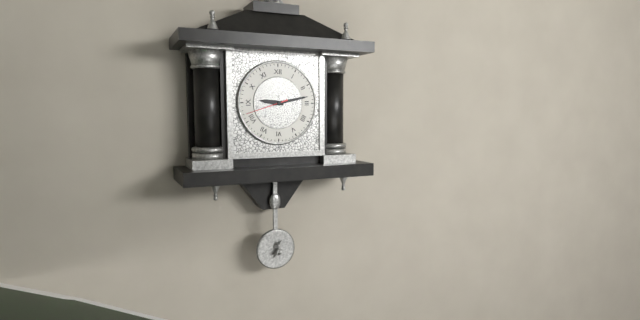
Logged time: 9 h 13 min
